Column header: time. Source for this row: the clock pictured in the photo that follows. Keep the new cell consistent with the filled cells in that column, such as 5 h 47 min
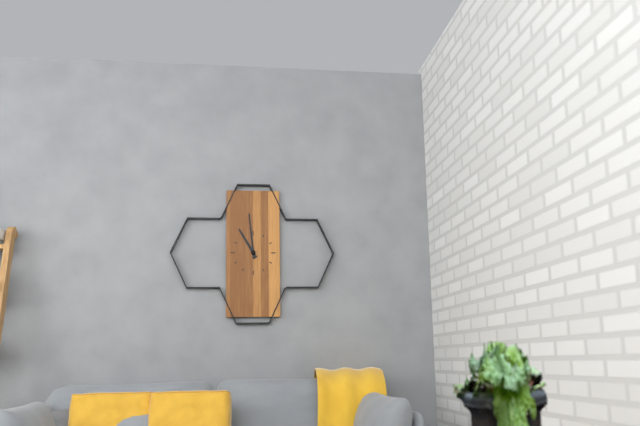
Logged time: 10 h 59 min
